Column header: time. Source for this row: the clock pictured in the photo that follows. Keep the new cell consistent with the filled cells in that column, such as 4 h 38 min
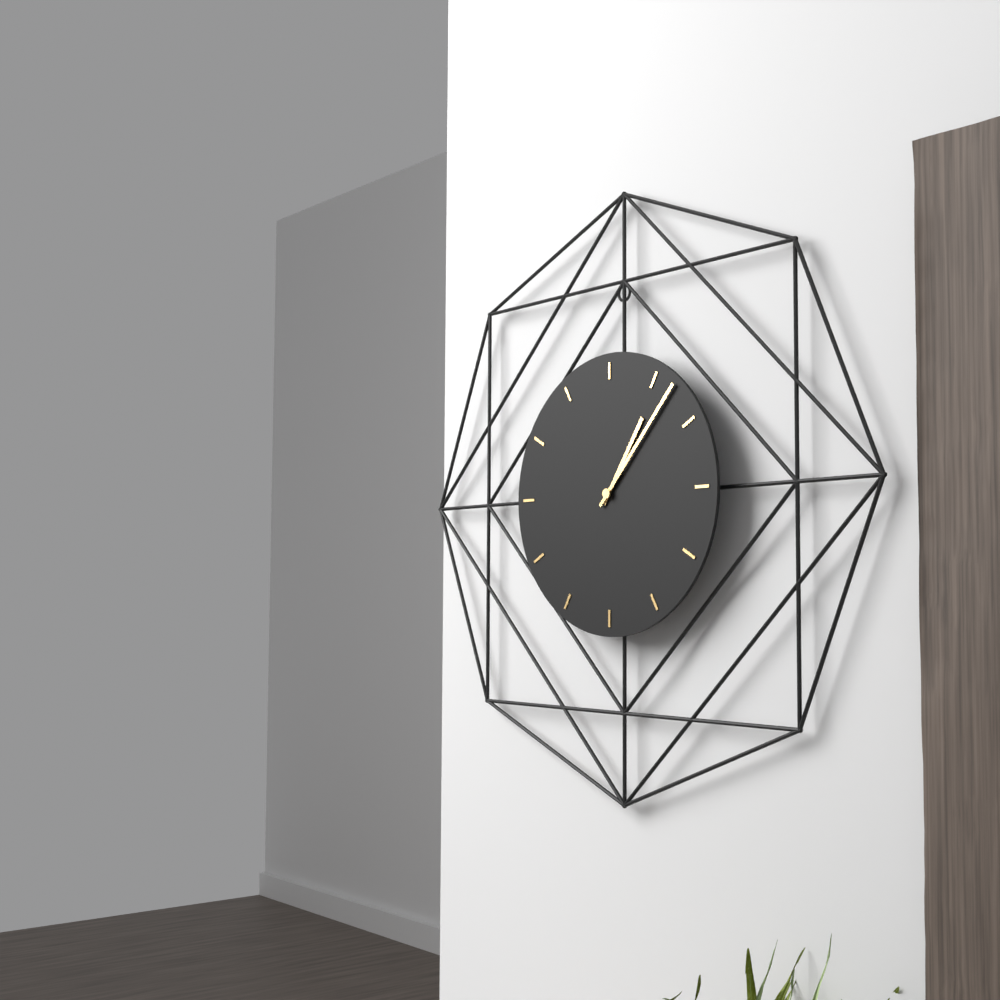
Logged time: 1 h 07 min
